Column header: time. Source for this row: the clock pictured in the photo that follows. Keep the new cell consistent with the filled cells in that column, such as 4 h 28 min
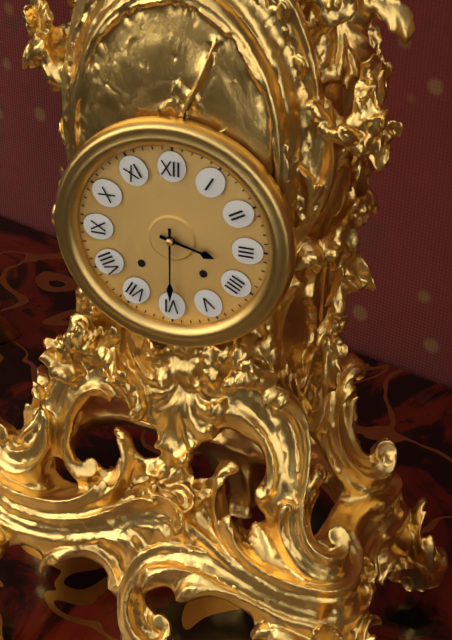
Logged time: 3 h 30 min
